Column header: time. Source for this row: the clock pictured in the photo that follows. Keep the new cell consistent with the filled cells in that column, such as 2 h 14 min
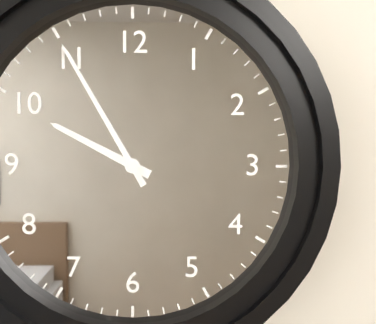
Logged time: 9 h 55 min
